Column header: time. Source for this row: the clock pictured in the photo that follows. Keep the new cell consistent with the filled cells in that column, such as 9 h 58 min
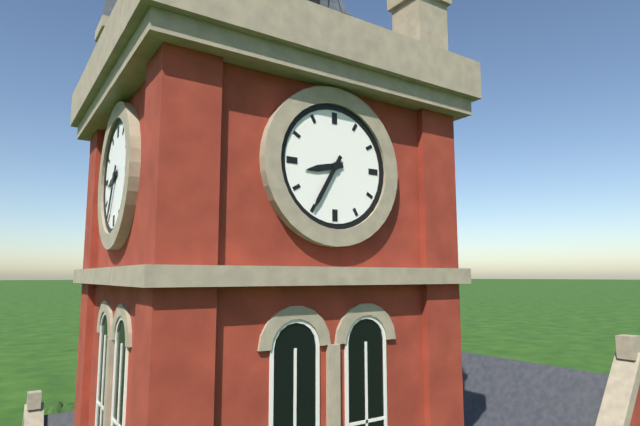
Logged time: 8 h 35 min
